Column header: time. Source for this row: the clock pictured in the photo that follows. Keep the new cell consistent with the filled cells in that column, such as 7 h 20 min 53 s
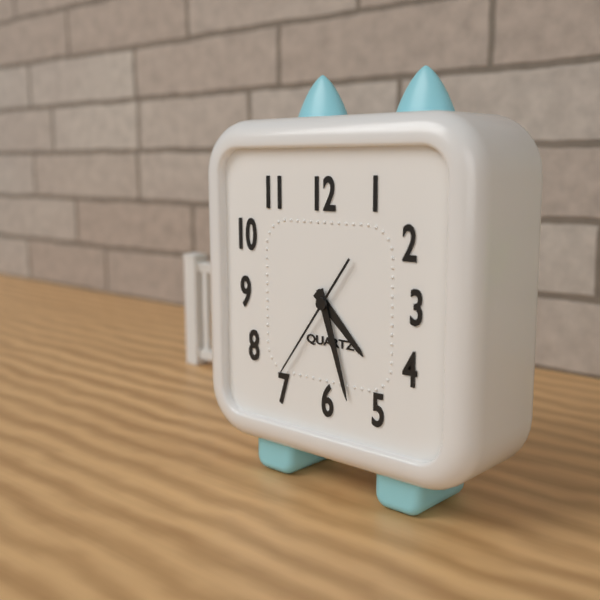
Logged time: 4 h 27 min 36 s
